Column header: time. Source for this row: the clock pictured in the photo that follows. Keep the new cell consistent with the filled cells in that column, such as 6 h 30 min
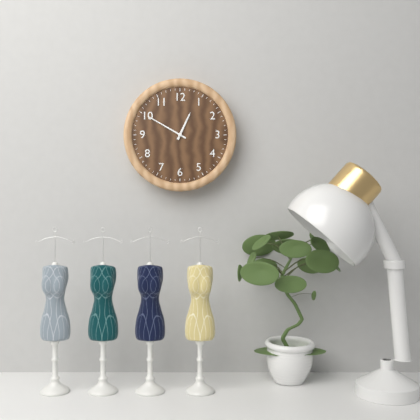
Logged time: 12 h 50 min
